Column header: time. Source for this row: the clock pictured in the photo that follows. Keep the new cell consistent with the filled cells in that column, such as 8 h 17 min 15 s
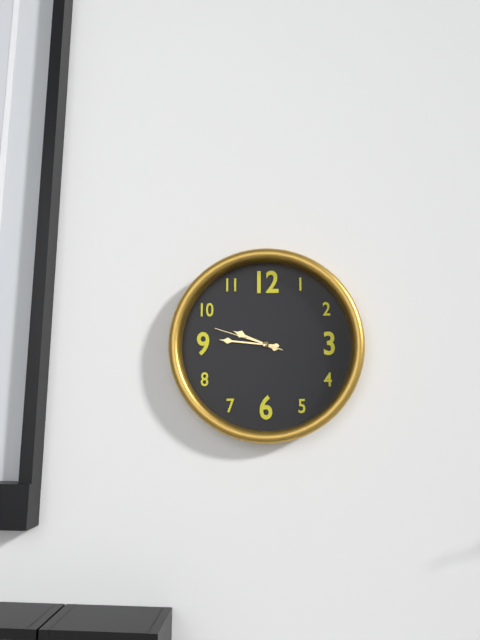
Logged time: 9 h 46 min 48 s
